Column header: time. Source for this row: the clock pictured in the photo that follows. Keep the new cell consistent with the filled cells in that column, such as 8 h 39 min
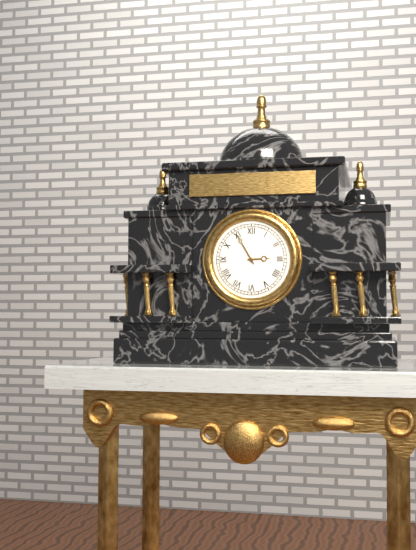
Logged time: 2 h 55 min
